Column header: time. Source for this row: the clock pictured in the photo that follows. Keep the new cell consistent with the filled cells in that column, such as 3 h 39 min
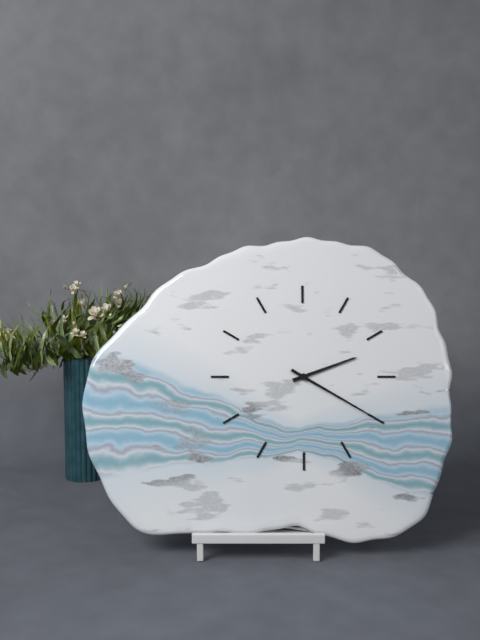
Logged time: 2 h 20 min
